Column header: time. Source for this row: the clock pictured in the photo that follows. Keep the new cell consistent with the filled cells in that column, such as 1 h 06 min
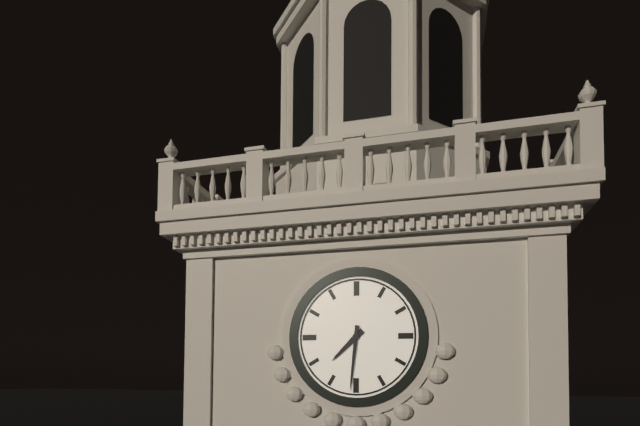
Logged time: 7 h 31 min
